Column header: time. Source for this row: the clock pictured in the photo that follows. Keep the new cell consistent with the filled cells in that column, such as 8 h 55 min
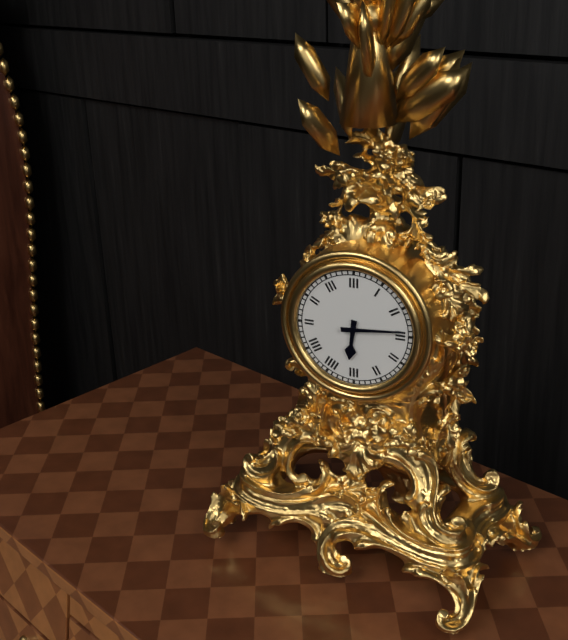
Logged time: 6 h 14 min
